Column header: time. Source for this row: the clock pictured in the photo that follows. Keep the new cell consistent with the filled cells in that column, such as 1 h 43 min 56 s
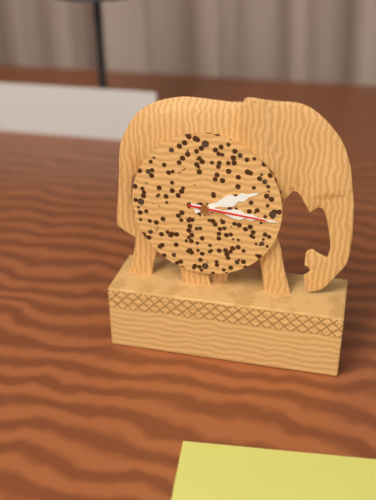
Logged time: 2 h 16 min 16 s
